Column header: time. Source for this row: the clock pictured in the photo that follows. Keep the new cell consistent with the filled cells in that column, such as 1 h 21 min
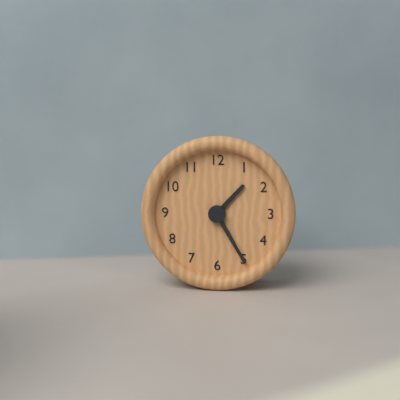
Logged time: 1 h 25 min
